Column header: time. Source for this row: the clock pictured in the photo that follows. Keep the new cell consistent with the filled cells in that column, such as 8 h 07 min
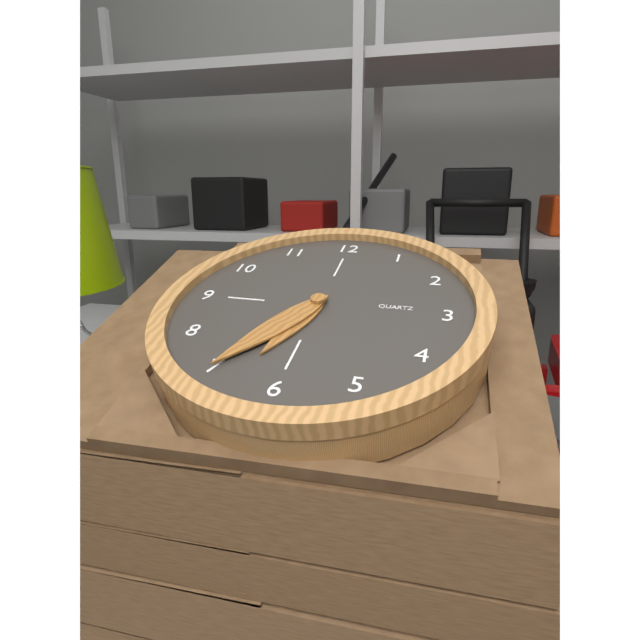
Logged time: 6 h 35 min
